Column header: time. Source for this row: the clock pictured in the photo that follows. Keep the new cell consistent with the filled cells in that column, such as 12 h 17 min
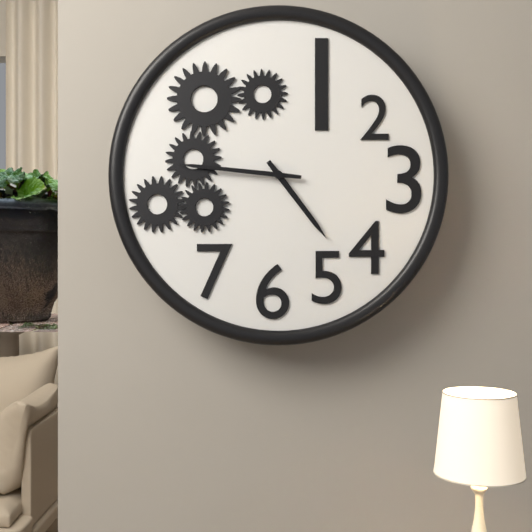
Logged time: 4 h 46 min
